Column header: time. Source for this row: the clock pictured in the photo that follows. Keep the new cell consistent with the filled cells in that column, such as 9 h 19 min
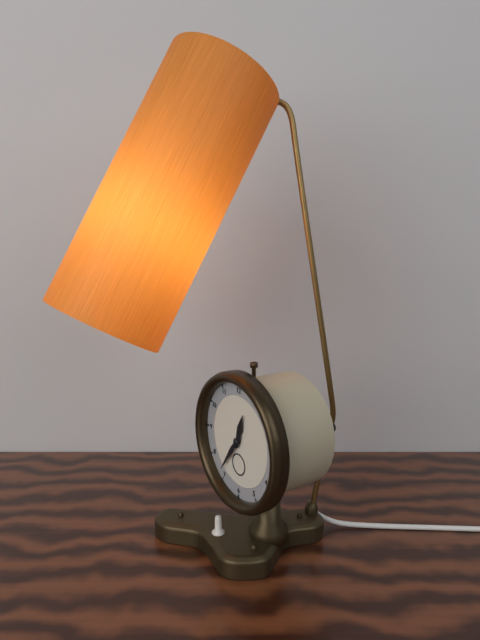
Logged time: 12 h 36 min
